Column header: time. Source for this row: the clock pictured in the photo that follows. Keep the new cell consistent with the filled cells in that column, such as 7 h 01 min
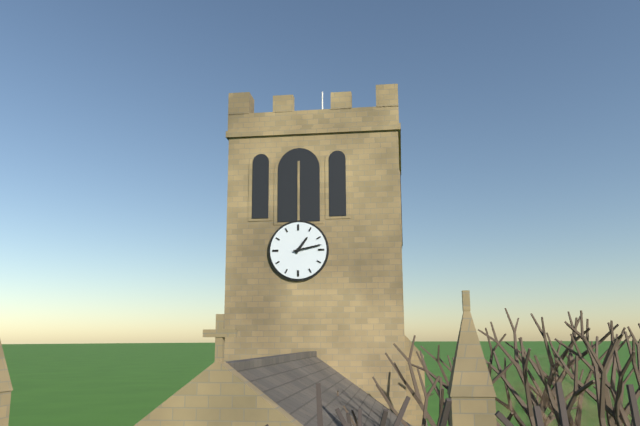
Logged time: 1 h 13 min
